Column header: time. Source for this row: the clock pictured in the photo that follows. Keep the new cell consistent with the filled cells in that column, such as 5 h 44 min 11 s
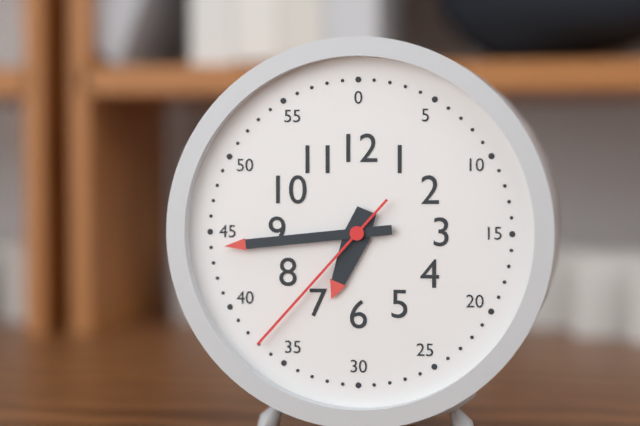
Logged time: 6 h 44 min 37 s
